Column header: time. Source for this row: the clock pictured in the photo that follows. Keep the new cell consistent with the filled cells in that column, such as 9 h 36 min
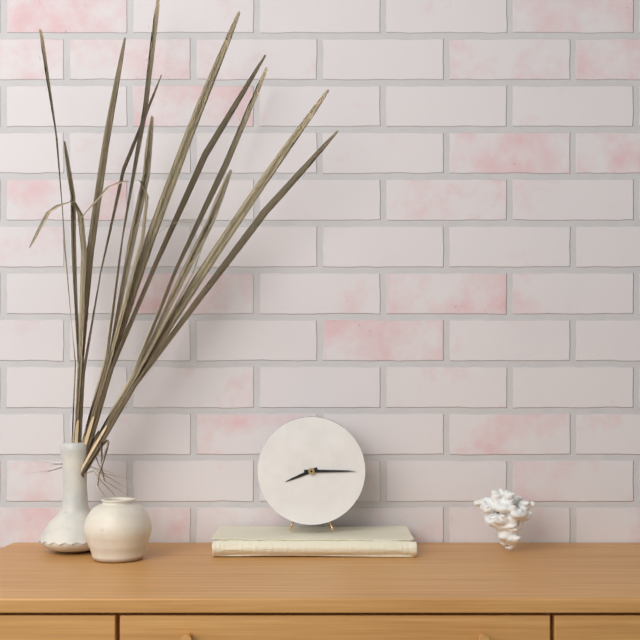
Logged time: 8 h 15 min
